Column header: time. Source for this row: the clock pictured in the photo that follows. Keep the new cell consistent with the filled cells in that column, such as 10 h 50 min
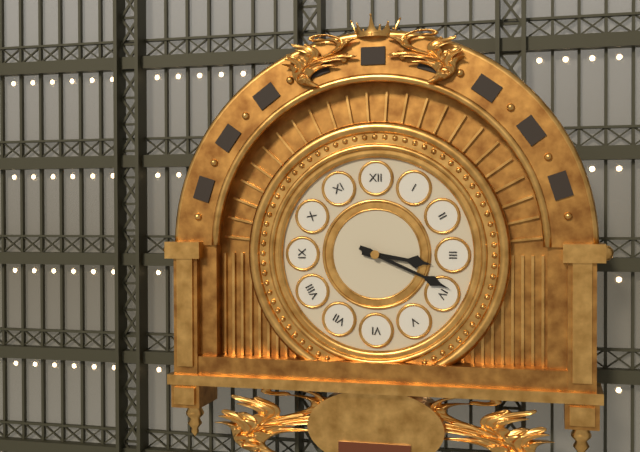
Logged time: 3 h 19 min
